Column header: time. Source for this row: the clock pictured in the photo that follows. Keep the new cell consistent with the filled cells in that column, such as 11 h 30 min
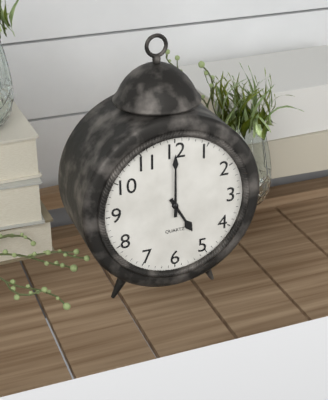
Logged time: 5 h 00 min
